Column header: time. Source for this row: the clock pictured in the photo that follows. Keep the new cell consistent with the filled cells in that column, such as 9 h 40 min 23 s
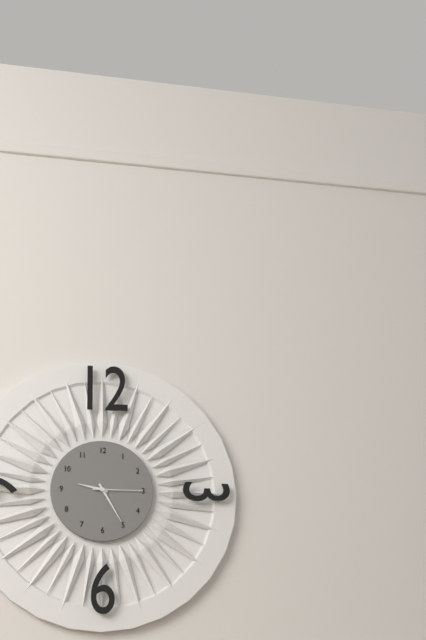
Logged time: 9 h 25 min 15 s
